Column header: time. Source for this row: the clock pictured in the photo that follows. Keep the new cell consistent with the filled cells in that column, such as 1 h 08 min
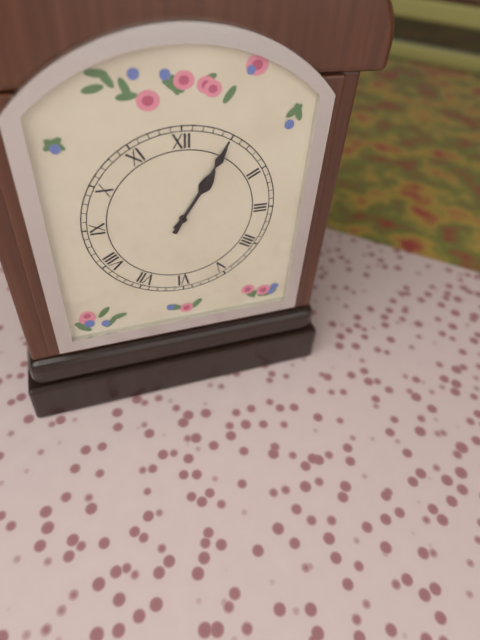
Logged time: 1 h 05 min
